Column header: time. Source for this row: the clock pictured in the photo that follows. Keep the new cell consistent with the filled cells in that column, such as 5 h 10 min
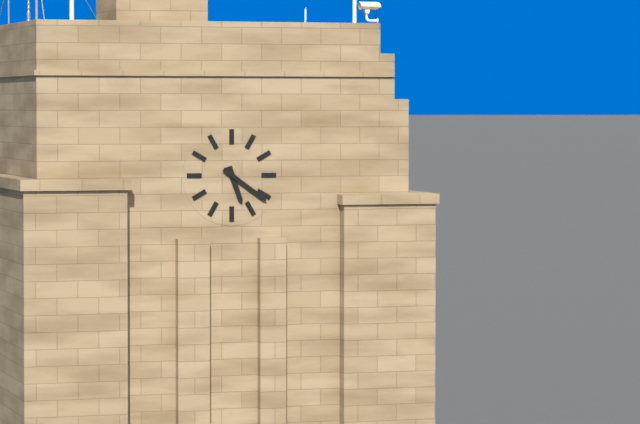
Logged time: 5 h 21 min
